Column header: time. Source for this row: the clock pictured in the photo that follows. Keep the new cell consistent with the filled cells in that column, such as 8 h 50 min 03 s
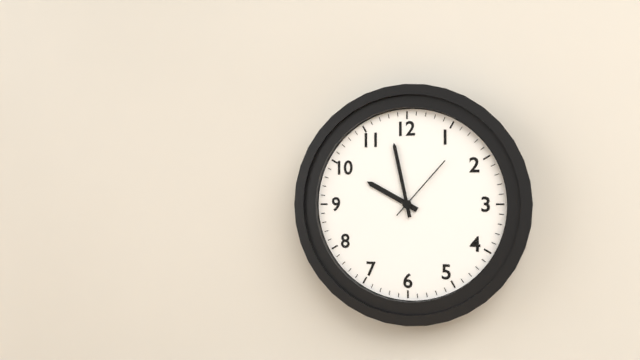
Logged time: 9 h 58 min 07 s
